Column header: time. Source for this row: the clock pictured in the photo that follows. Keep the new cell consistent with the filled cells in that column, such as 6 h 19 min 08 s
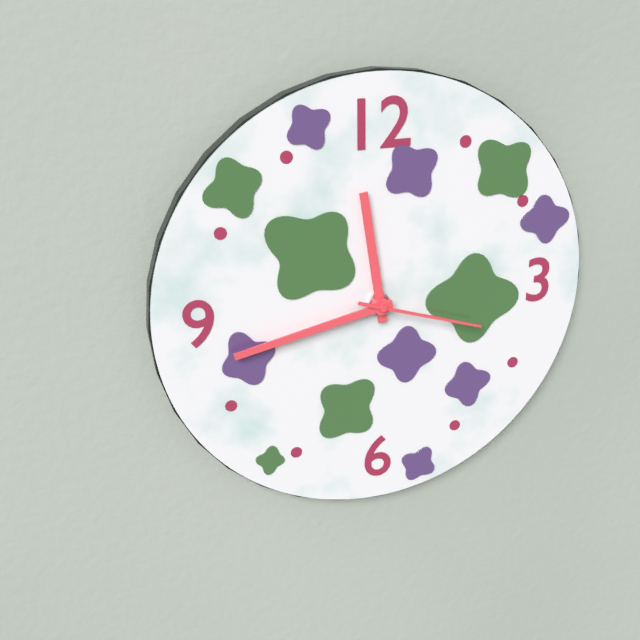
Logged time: 11 h 43 min 18 s
